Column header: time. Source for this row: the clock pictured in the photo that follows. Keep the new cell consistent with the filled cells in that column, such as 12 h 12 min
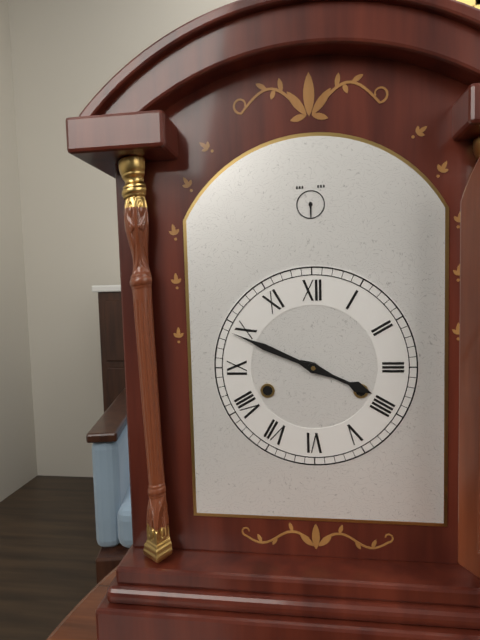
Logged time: 3 h 49 min
